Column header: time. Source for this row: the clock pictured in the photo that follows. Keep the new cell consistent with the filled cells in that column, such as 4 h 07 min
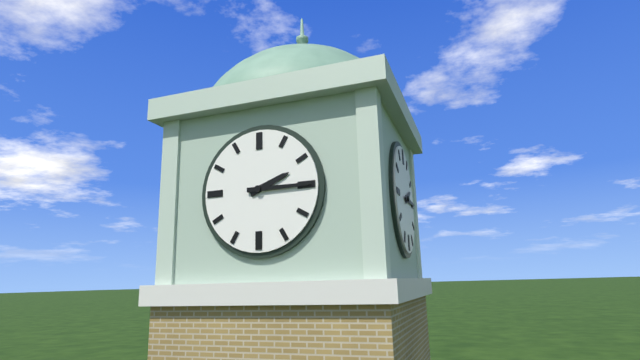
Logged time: 2 h 15 min
